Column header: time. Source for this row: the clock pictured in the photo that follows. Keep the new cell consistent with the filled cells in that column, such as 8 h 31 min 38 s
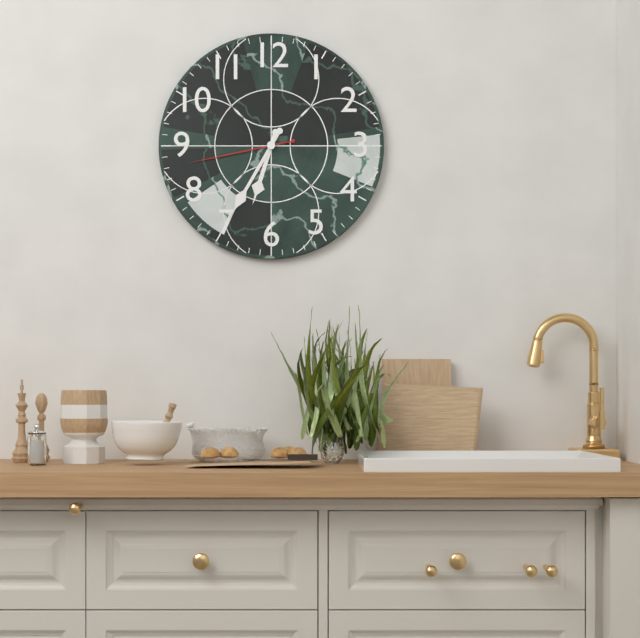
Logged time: 6 h 35 min 43 s
